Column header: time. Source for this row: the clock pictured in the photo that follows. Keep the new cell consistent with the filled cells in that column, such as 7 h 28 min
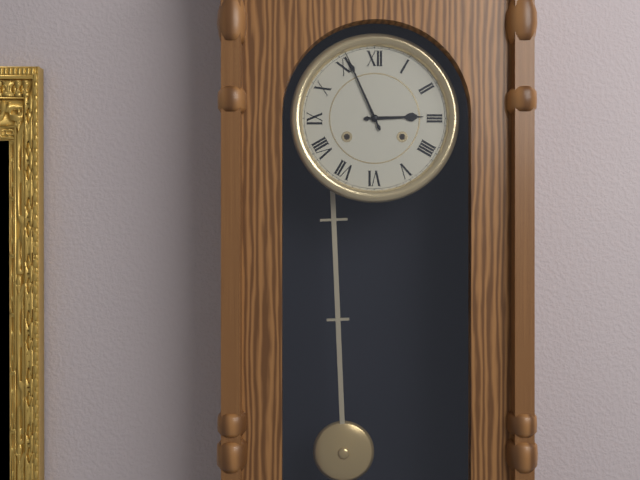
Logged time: 2 h 56 min
